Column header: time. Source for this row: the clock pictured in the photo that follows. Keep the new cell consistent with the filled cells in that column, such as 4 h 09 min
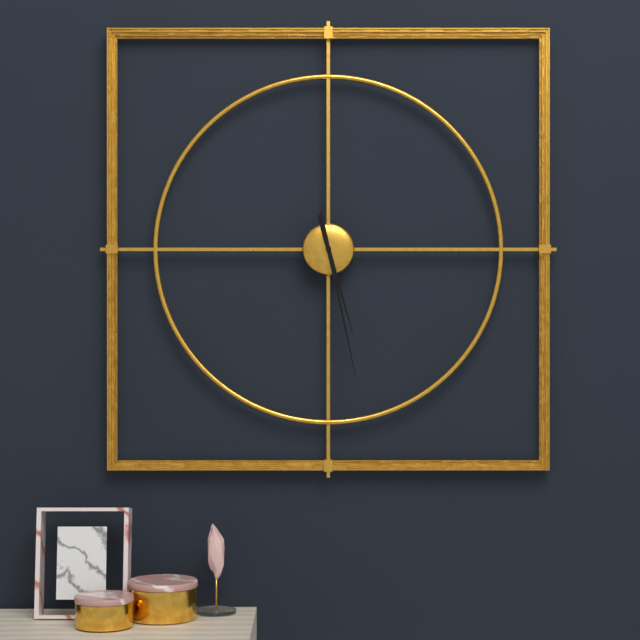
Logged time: 5 h 28 min
